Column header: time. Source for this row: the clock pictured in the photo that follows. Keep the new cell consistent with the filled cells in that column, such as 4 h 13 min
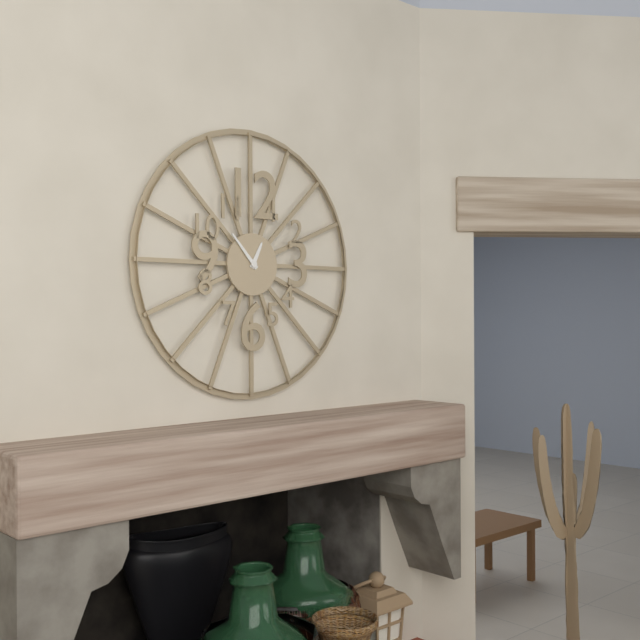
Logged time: 12 h 53 min
